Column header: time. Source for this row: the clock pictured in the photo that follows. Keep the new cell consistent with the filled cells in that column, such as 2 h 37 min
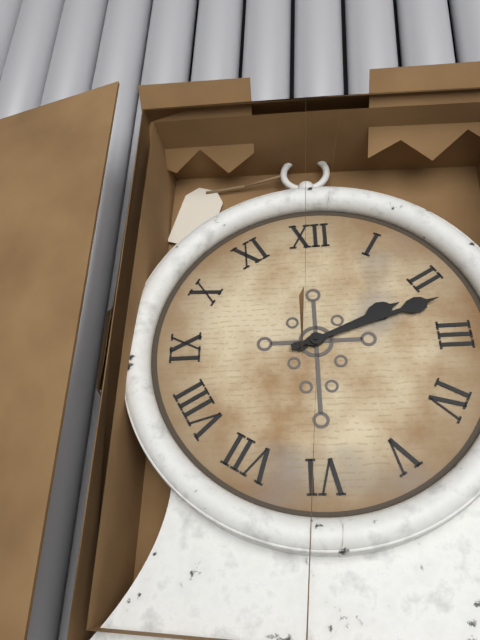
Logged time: 2 h 12 min
